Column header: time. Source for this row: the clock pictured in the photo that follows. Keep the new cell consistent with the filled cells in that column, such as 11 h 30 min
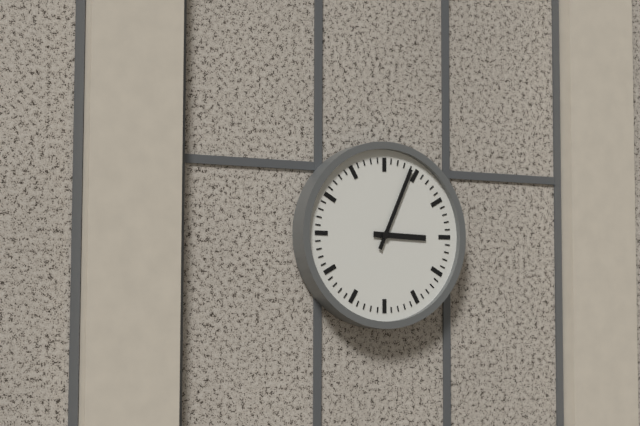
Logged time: 3 h 04 min
